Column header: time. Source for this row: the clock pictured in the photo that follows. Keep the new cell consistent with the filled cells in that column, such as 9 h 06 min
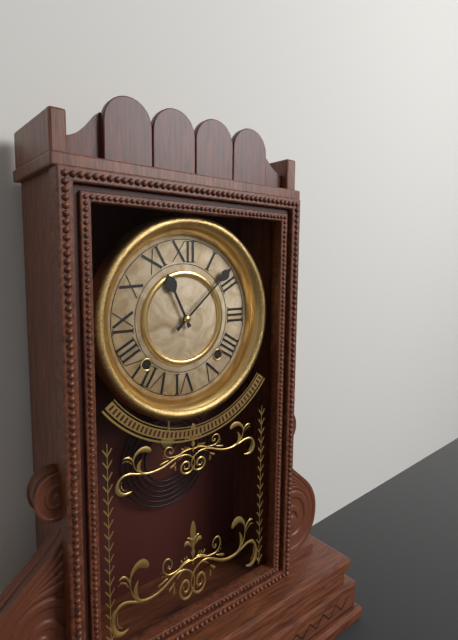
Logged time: 11 h 08 min
